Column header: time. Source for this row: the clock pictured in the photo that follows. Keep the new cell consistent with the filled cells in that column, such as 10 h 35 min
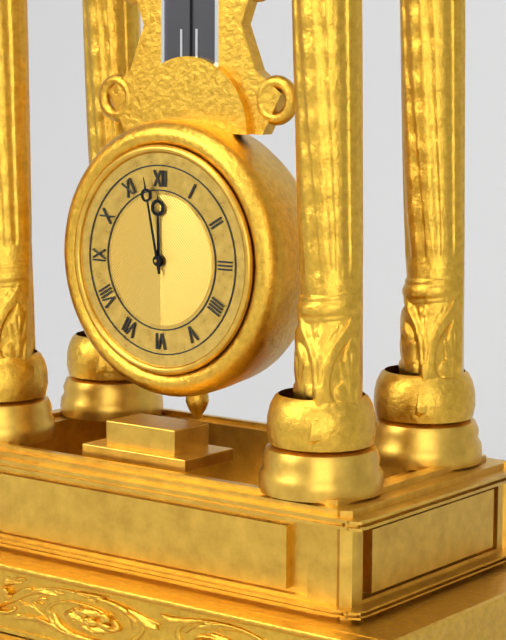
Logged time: 11 h 58 min
